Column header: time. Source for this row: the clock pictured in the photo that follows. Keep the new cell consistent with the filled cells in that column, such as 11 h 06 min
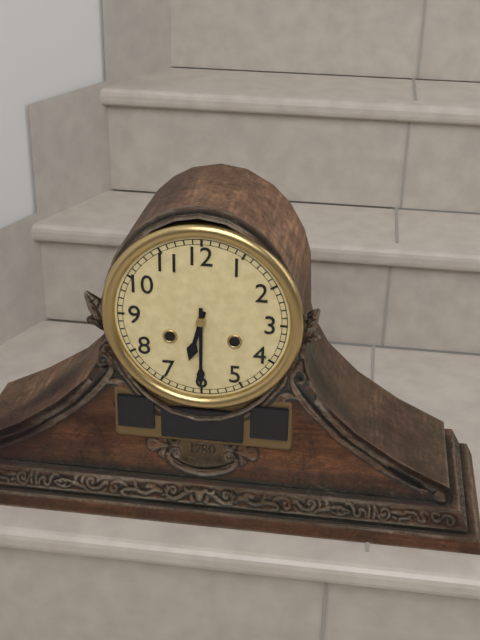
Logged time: 6 h 30 min
